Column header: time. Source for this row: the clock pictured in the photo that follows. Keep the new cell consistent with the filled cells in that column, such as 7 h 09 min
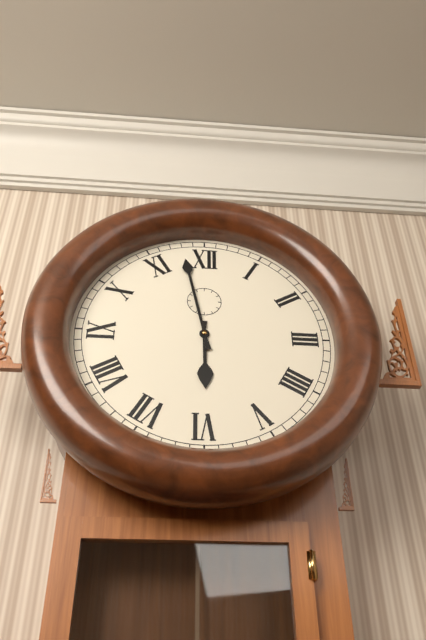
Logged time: 5 h 58 min
